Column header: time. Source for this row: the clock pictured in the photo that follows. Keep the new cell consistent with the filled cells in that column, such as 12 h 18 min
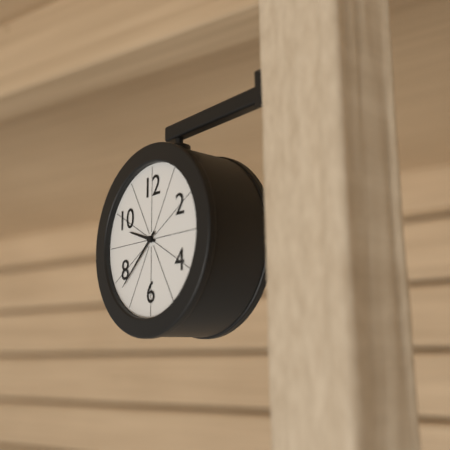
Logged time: 9 h 38 min
